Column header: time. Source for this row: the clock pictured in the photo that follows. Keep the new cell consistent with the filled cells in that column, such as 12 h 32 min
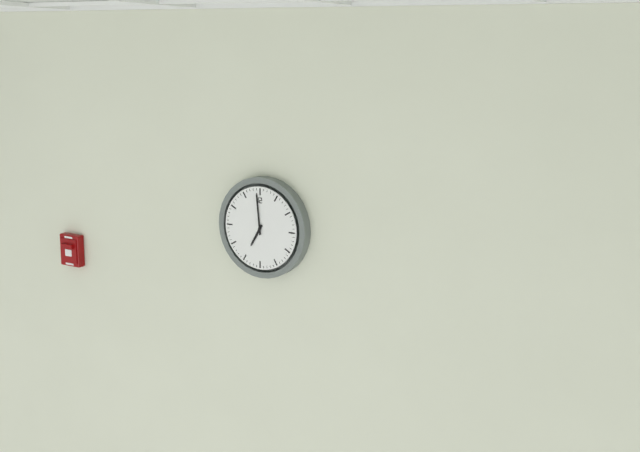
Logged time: 6 h 59 min
